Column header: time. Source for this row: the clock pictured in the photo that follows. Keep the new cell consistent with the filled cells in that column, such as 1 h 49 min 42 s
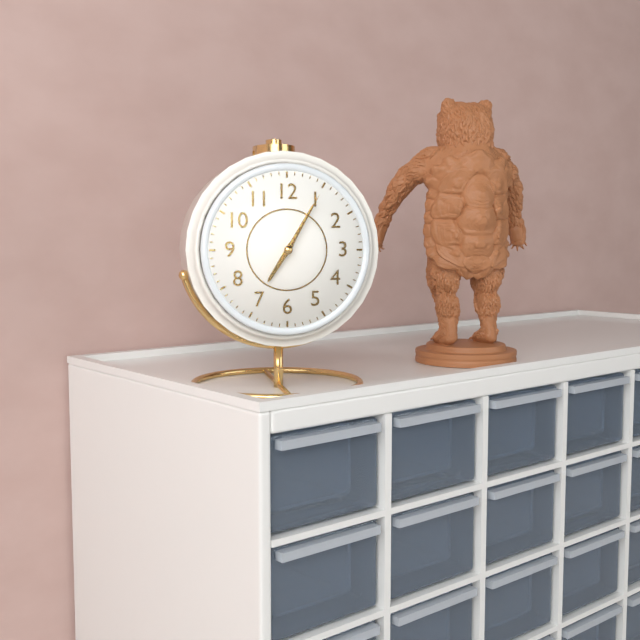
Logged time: 7 h 05 min 05 s
